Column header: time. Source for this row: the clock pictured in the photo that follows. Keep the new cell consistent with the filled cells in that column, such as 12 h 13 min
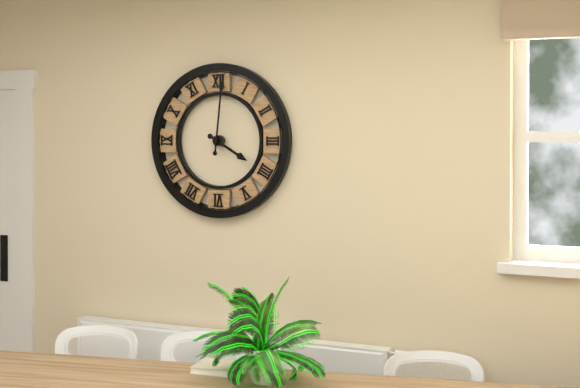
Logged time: 4 h 01 min
